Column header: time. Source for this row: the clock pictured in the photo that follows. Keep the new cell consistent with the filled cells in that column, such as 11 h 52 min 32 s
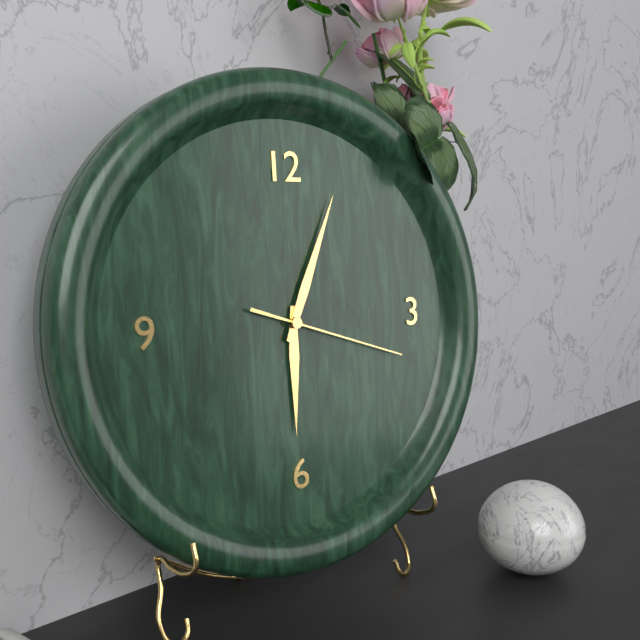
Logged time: 6 h 04 min 18 s
